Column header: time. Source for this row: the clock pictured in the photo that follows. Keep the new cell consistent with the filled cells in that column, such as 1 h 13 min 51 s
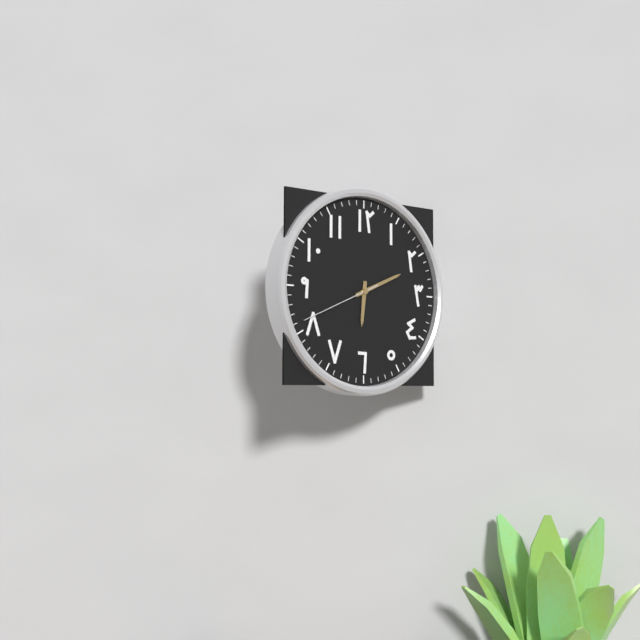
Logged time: 6 h 11 min 41 s
